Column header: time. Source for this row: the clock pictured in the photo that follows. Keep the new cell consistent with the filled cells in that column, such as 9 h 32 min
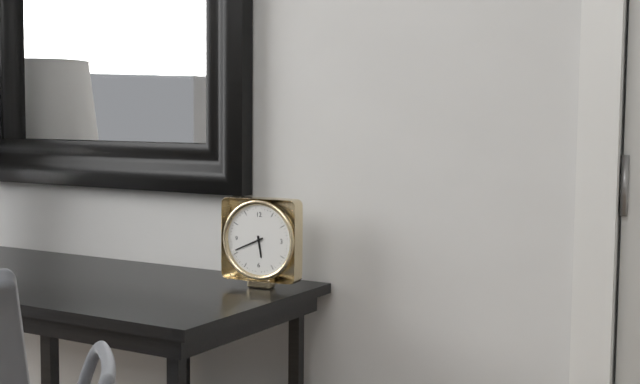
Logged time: 5 h 41 min
